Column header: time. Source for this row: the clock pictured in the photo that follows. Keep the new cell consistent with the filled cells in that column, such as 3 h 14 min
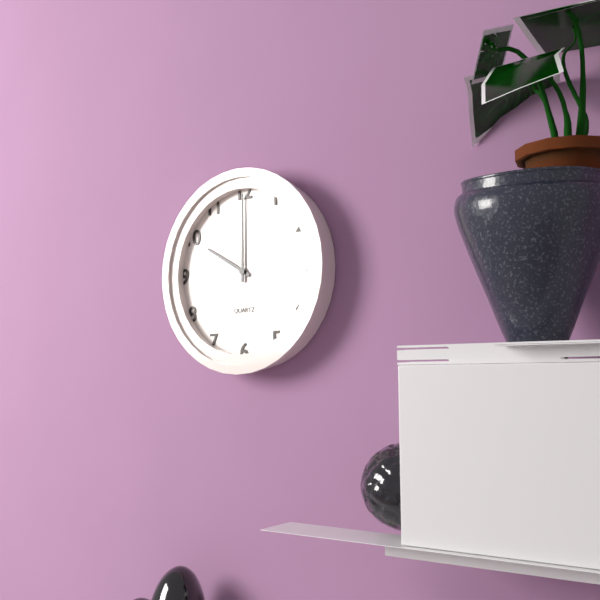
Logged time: 10 h 00 min
